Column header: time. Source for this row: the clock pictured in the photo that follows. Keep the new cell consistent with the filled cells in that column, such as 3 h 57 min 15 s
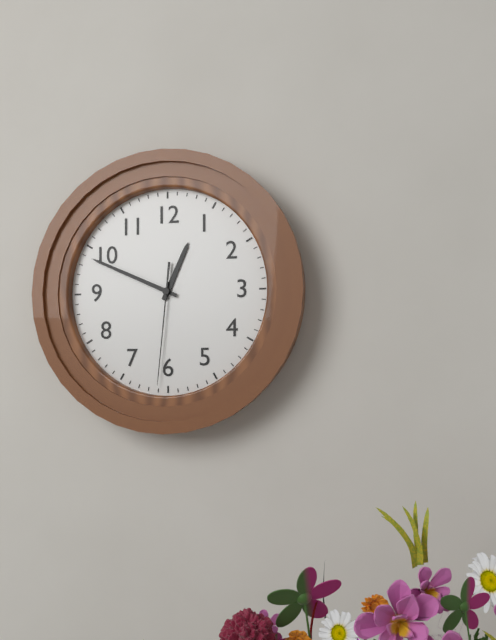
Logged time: 12 h 49 min 31 s
